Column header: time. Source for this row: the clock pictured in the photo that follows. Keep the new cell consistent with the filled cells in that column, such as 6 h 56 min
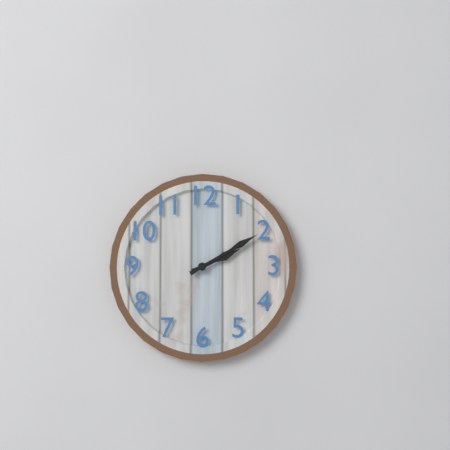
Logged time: 2 h 10 min
